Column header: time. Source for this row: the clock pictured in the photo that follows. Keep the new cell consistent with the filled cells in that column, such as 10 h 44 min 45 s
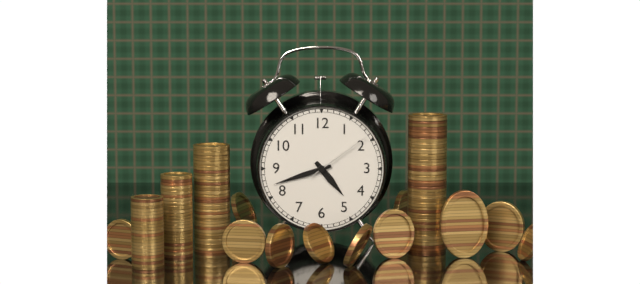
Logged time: 4 h 42 min 09 s
